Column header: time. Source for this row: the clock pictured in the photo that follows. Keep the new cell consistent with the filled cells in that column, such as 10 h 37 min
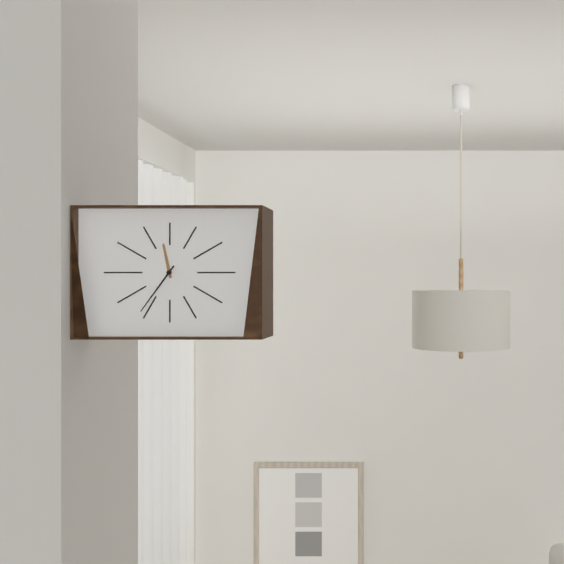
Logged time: 11 h 36 min
